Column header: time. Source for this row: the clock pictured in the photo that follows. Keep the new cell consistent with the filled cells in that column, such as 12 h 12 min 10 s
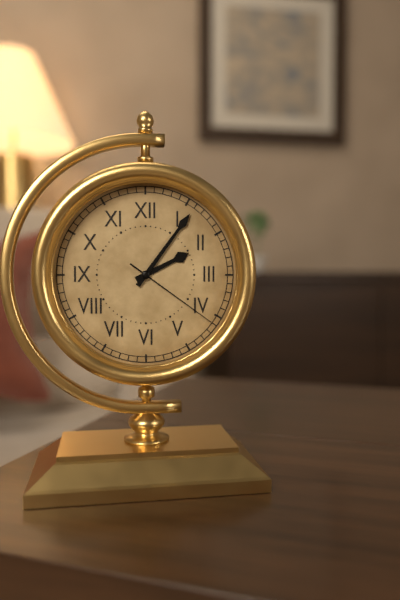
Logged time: 2 h 06 min 21 s
